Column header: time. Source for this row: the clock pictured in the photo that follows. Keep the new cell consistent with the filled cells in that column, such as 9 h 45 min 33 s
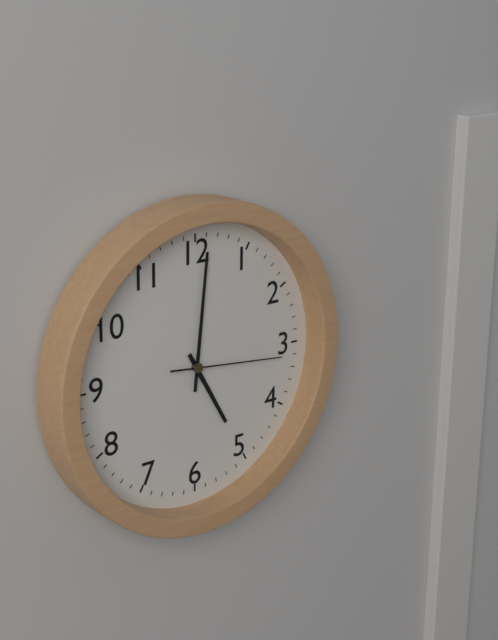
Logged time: 5 h 01 min 16 s
